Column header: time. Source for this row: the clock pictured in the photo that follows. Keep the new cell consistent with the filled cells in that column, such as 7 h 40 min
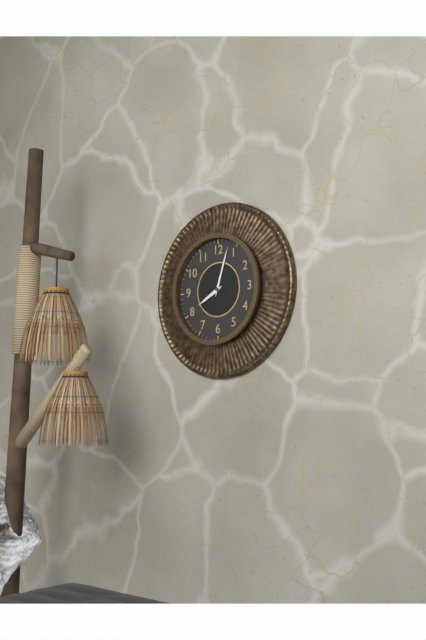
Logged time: 8 h 03 min
